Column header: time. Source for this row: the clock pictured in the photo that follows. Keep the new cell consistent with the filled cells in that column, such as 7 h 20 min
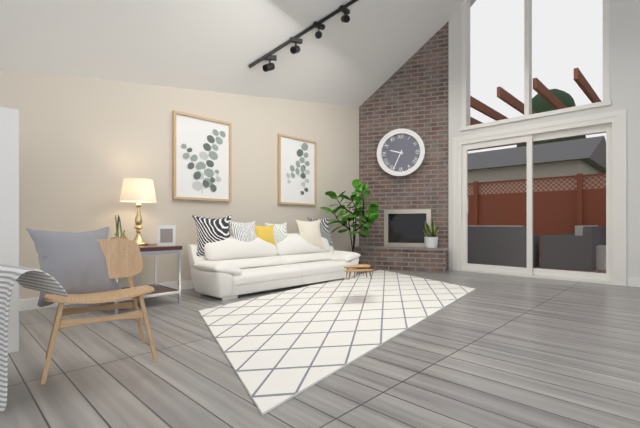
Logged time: 9 h 34 min
